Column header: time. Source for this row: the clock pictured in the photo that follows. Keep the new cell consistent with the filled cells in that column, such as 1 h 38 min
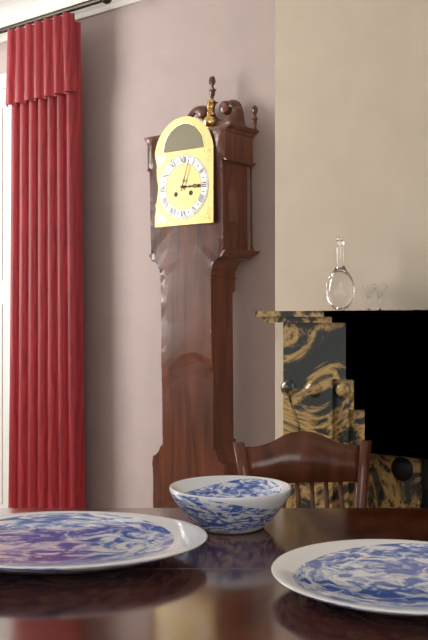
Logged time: 3 h 03 min
